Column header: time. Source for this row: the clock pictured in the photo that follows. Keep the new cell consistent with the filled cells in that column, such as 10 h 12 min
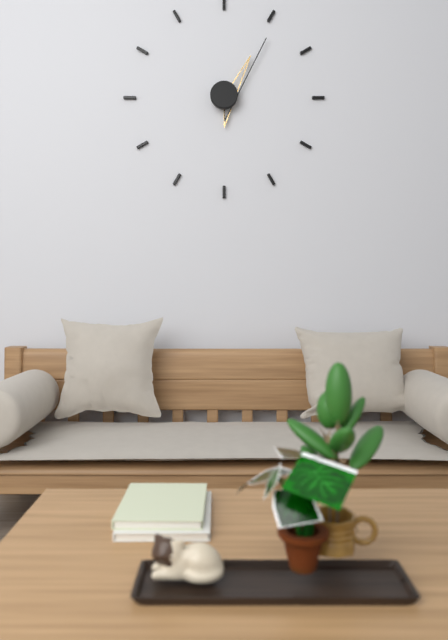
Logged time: 1 h 06 min
